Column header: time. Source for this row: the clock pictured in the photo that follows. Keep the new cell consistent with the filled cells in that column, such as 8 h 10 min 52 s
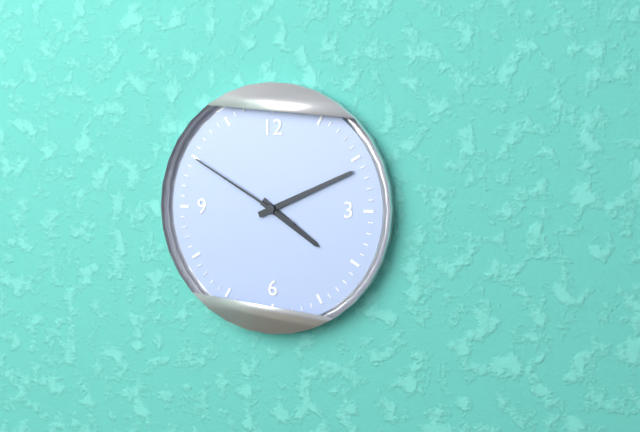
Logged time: 4 h 11 min 50 s
